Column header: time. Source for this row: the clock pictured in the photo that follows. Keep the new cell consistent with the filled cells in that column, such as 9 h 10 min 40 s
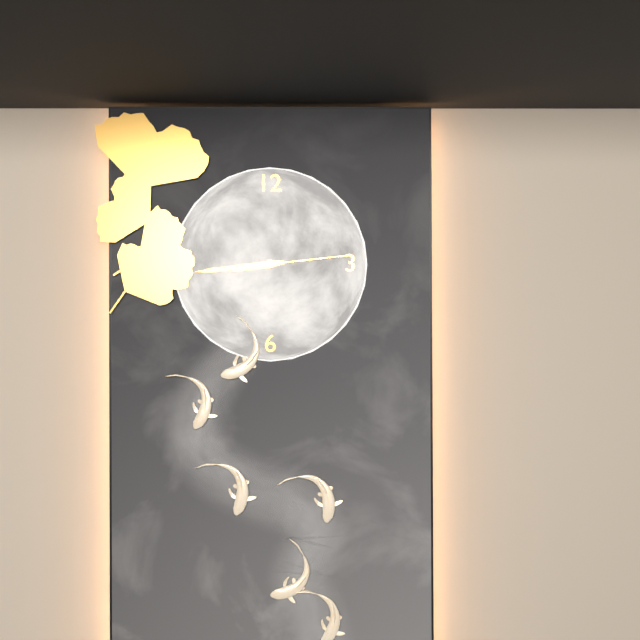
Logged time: 8 h 44 min 14 s
